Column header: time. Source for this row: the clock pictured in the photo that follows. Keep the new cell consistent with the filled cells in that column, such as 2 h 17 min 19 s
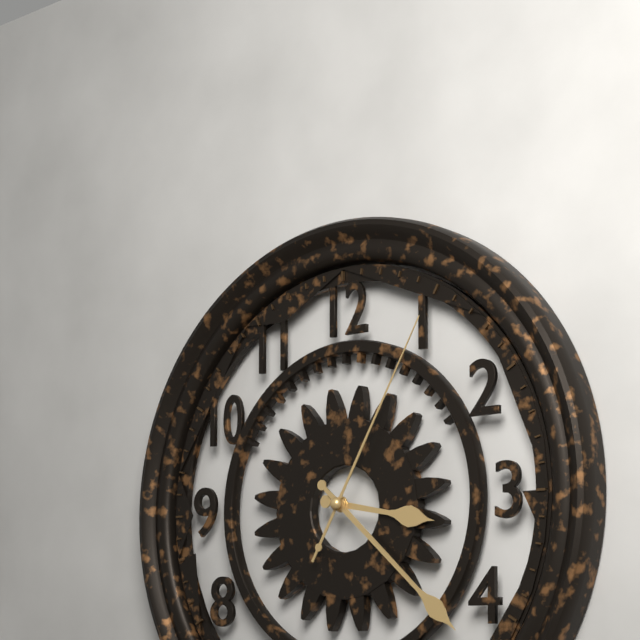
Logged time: 3 h 22 min 05 s
